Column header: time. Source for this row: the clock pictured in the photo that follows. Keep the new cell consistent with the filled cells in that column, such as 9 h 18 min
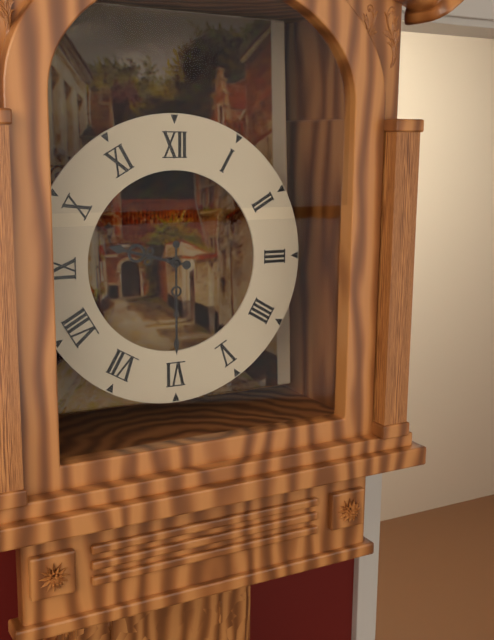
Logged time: 9 h 30 min
